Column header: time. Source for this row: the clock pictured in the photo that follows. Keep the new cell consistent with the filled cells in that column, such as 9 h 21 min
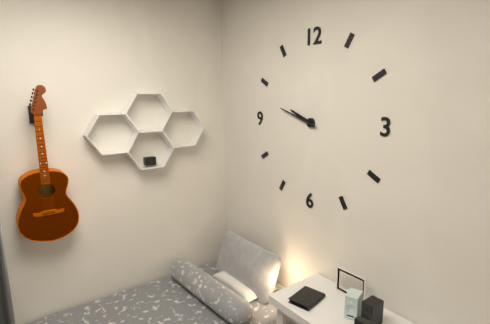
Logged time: 9 h 48 min
